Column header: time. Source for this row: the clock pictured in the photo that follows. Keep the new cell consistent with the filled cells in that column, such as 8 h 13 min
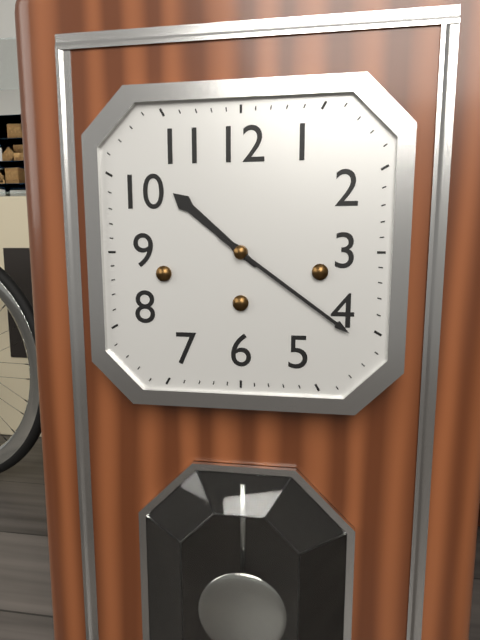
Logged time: 10 h 21 min
